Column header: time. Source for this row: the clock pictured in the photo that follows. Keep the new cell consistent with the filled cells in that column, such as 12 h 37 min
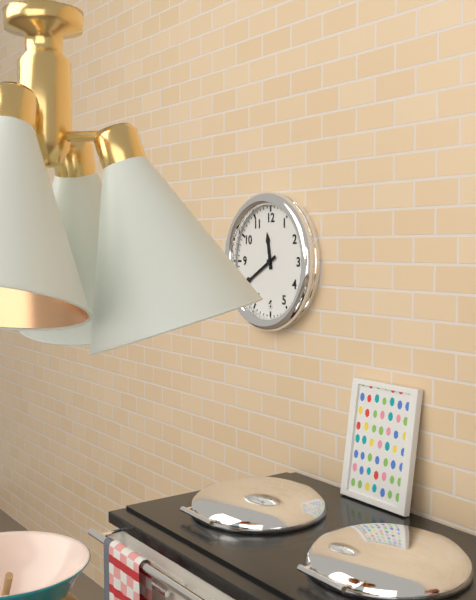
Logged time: 11 h 40 min
